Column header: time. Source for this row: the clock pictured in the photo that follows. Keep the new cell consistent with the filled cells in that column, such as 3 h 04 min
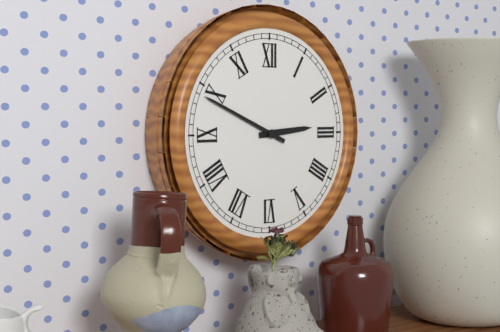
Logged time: 2 h 49 min
